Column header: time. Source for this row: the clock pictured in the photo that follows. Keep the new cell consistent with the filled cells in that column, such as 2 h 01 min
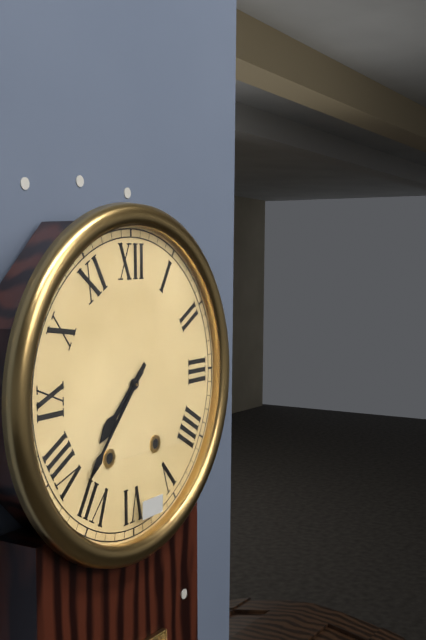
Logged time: 7 h 37 min
